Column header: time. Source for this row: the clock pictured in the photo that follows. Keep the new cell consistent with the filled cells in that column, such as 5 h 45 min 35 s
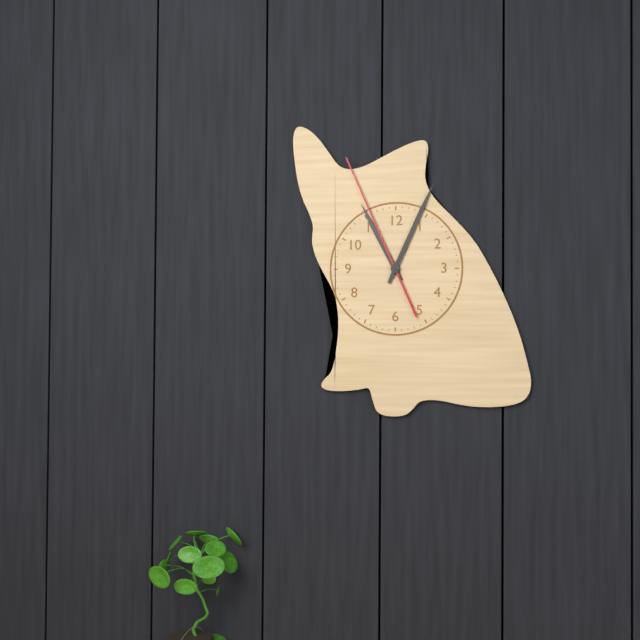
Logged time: 11 h 04 min 56 s
